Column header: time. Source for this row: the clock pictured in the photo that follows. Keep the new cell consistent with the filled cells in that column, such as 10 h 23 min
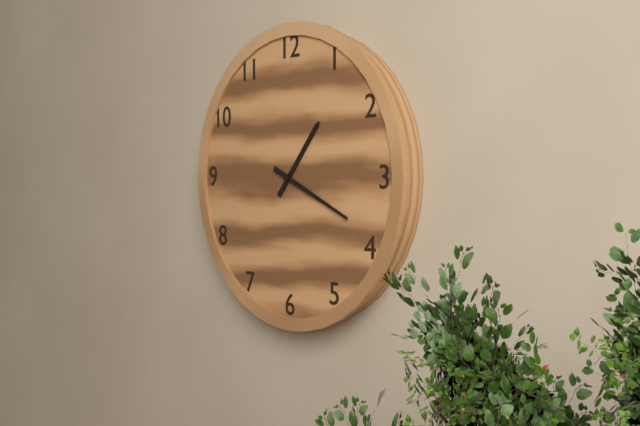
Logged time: 1 h 19 min
